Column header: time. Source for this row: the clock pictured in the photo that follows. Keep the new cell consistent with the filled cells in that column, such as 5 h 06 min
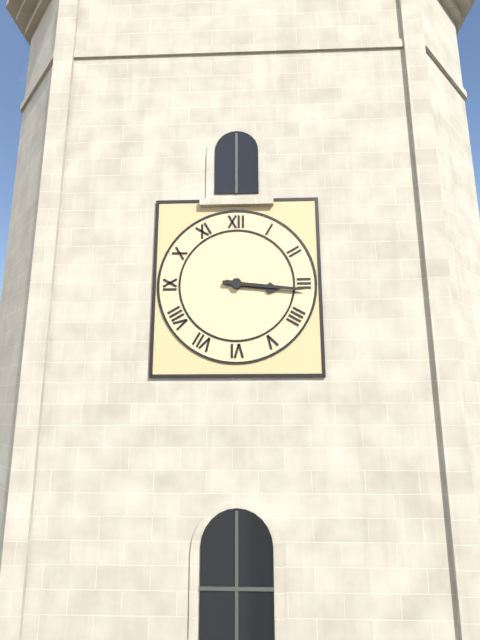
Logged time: 3 h 16 min
